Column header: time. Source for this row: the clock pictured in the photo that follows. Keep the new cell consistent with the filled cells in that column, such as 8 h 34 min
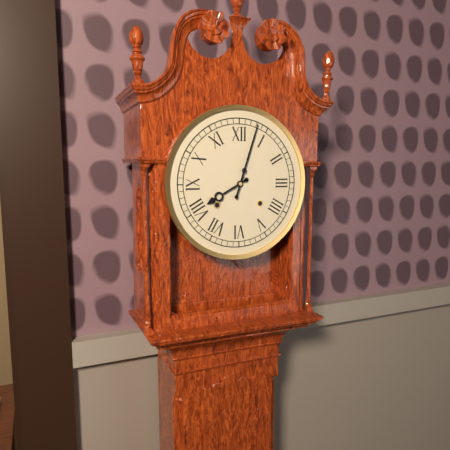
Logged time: 8 h 03 min
